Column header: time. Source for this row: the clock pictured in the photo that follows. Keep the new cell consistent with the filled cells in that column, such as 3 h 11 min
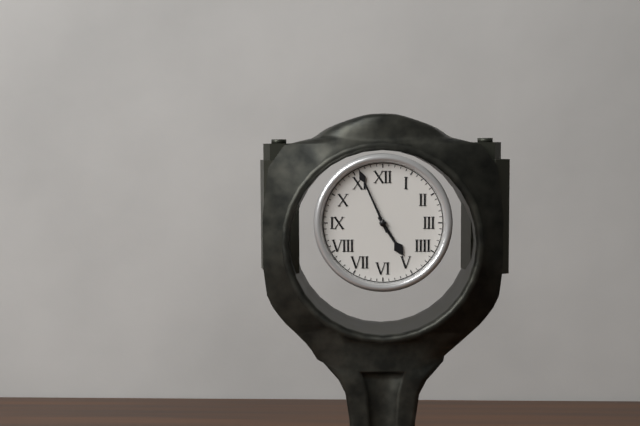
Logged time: 4 h 56 min
